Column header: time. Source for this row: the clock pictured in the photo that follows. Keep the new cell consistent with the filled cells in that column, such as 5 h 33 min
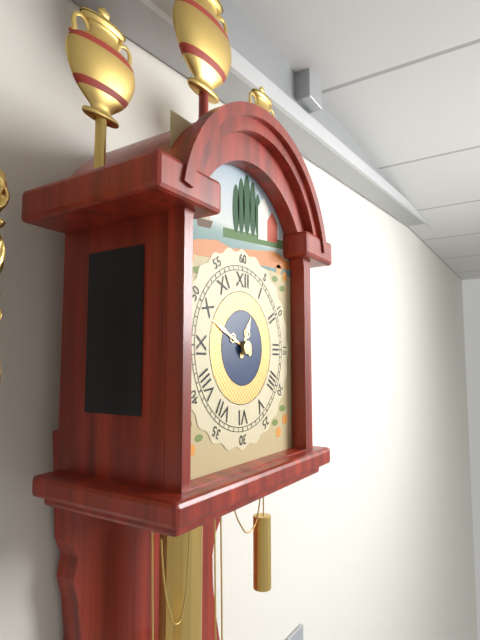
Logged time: 12 h 49 min
